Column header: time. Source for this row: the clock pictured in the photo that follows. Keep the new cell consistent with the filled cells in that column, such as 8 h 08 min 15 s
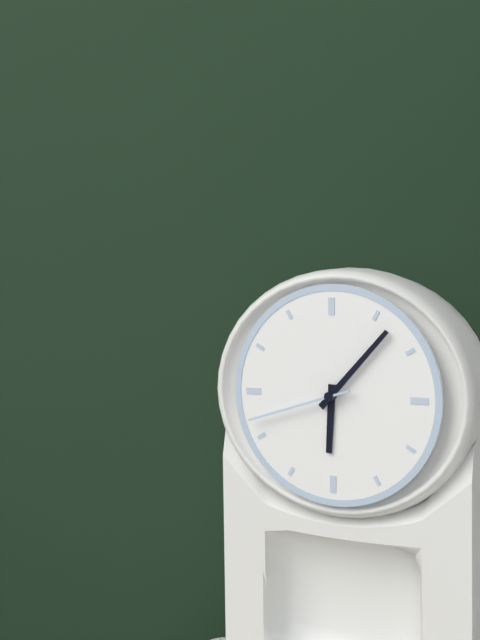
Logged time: 6 h 07 min 42 s
